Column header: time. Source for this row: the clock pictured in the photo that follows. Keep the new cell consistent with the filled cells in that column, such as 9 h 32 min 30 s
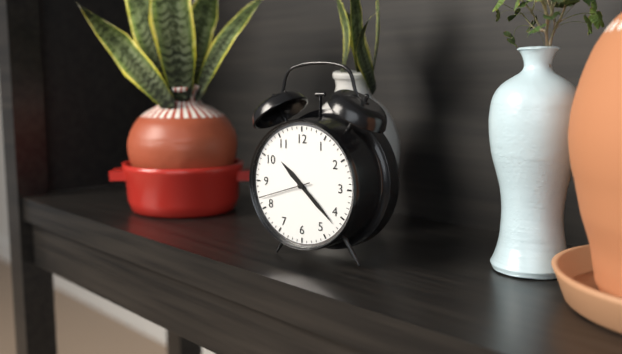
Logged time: 10 h 22 min 42 s
